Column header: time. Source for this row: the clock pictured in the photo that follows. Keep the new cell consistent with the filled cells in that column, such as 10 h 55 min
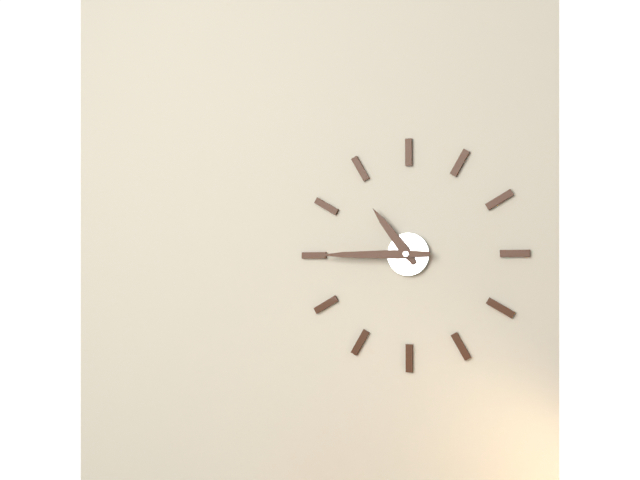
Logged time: 10 h 45 min
